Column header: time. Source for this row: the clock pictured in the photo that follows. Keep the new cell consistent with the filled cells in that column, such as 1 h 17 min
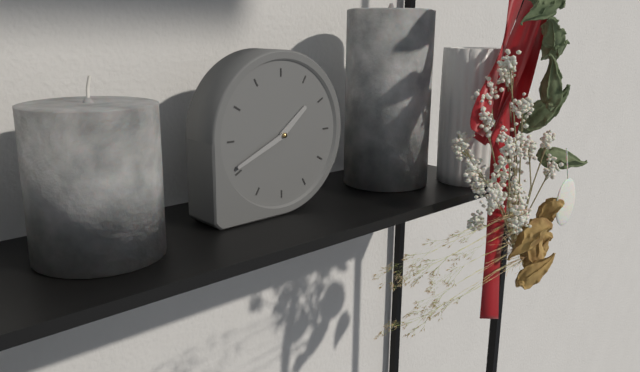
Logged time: 1 h 41 min
